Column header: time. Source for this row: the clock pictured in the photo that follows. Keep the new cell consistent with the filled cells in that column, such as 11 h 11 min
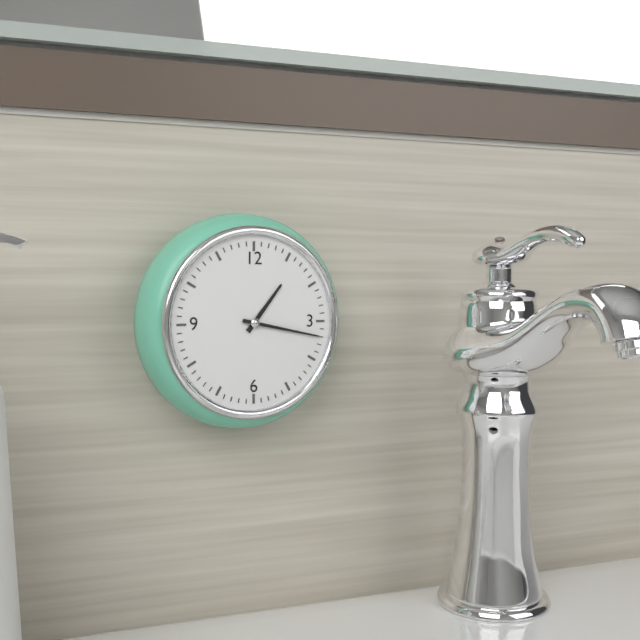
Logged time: 1 h 17 min
